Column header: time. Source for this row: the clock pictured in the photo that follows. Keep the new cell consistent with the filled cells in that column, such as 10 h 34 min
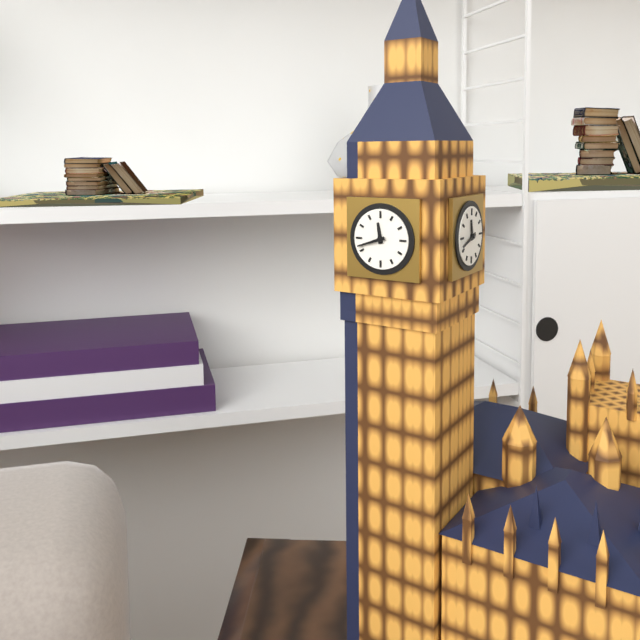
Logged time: 11 h 42 min
